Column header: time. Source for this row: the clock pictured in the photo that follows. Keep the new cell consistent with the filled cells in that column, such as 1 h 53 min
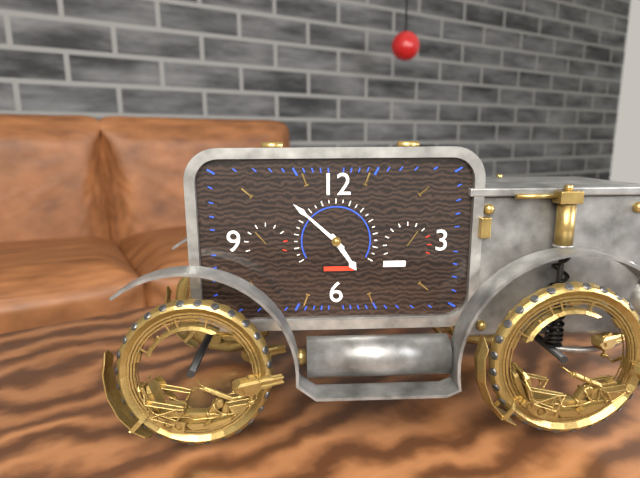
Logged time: 4 h 52 min
